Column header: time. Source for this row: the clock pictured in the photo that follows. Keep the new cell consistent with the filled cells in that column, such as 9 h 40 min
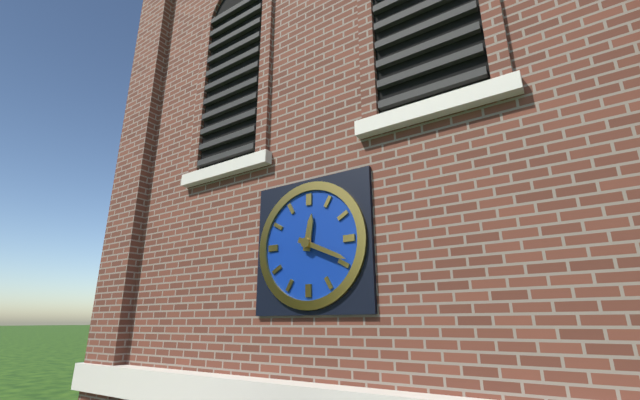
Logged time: 12 h 19 min
